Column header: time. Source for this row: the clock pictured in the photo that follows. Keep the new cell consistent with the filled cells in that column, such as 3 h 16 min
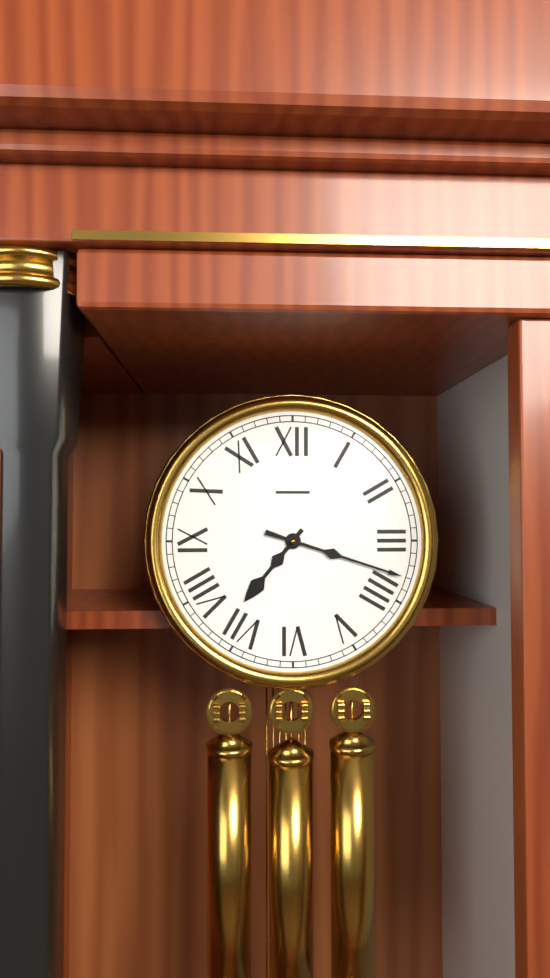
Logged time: 7 h 18 min
